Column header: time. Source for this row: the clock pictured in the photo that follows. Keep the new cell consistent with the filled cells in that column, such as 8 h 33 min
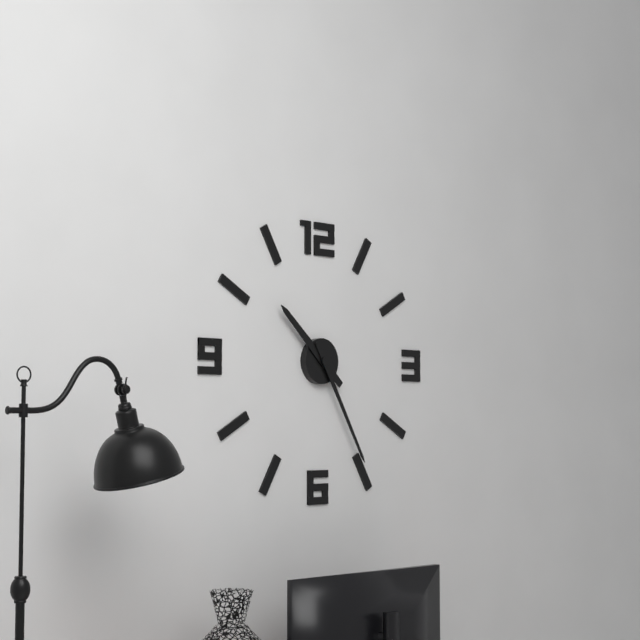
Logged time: 10 h 25 min
